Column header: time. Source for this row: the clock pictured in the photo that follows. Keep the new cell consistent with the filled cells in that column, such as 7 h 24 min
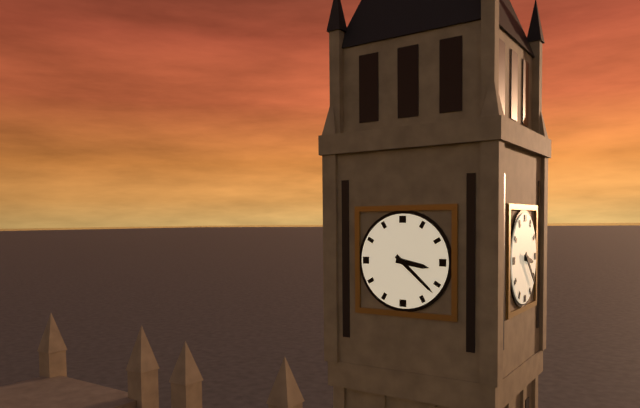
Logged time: 3 h 22 min
